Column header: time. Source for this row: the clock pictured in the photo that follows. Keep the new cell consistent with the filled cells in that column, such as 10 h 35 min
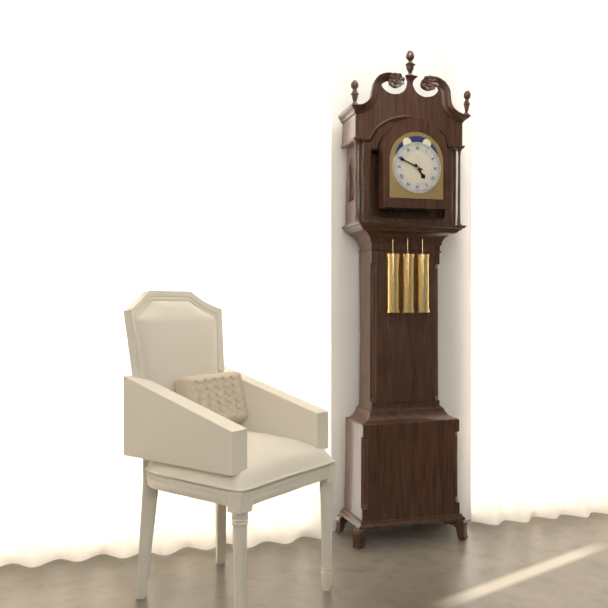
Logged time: 4 h 49 min
